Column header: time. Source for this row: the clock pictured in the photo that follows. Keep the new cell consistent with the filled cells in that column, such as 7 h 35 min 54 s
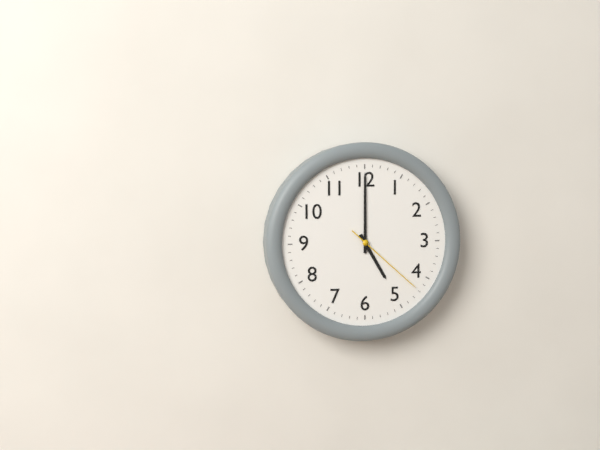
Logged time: 5 h 00 min 22 s
